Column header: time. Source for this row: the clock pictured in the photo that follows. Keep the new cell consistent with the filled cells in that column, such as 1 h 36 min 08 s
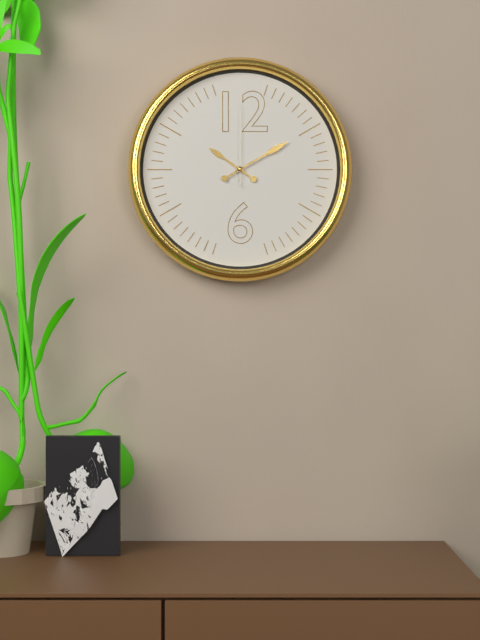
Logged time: 10 h 10 min 00 s
